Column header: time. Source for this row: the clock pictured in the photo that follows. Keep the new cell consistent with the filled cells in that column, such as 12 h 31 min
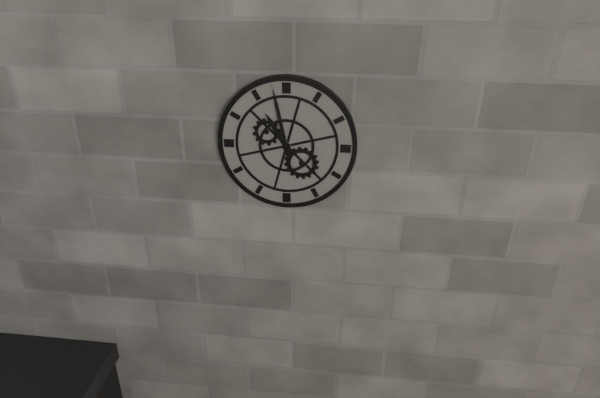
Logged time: 10 h 58 min
